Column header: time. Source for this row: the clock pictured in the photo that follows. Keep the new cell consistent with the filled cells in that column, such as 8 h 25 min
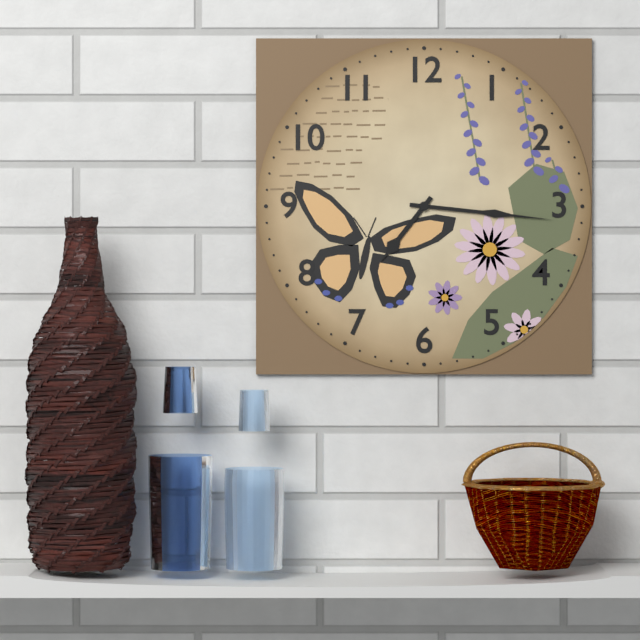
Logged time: 7 h 16 min
